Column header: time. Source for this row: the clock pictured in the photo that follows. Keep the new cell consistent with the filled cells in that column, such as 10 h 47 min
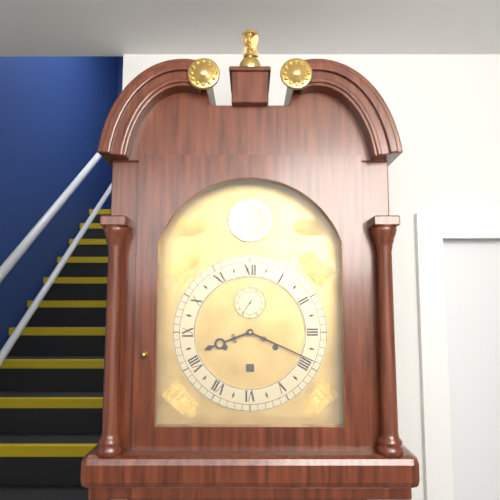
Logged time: 8 h 19 min
